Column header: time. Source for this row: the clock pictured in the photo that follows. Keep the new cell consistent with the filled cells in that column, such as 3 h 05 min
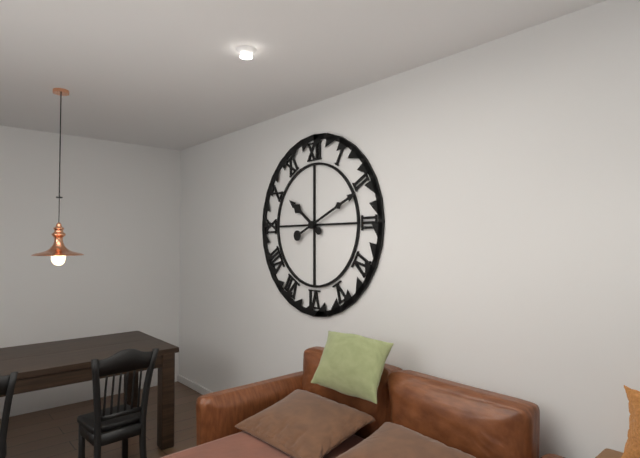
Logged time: 10 h 11 min
